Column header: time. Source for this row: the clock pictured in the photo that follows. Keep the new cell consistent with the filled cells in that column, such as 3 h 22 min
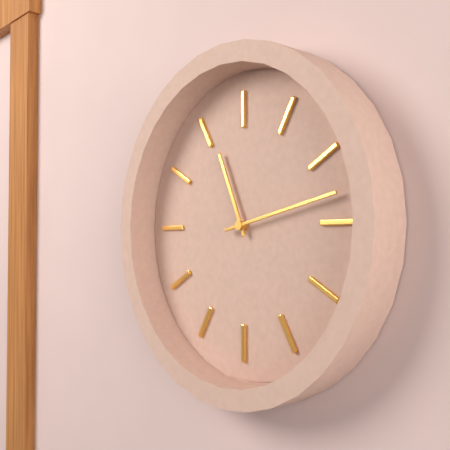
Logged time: 11 h 13 min
